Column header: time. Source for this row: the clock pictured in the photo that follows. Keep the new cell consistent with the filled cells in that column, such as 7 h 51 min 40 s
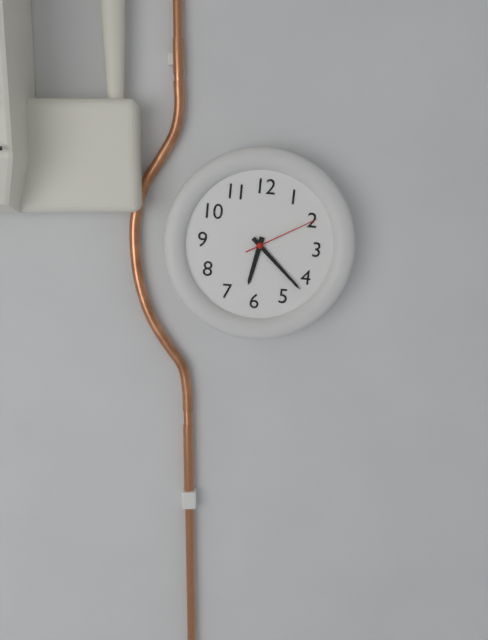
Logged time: 6 h 22 min 10 s
